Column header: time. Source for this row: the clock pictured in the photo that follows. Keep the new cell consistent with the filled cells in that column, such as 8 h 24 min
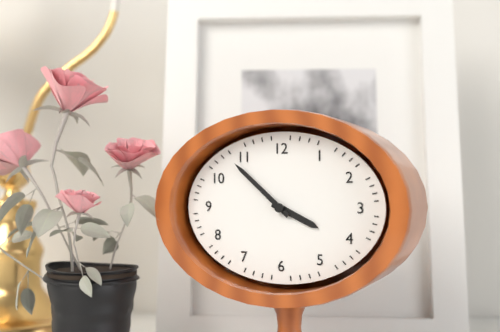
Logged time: 3 h 52 min
